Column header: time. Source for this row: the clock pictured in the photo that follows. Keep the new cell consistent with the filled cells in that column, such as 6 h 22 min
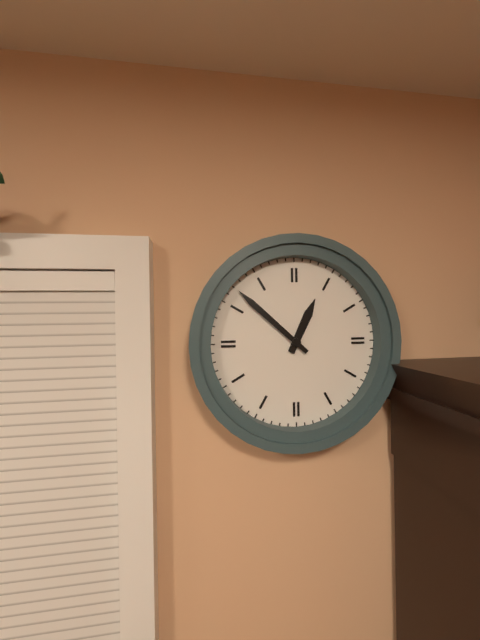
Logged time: 12 h 52 min
